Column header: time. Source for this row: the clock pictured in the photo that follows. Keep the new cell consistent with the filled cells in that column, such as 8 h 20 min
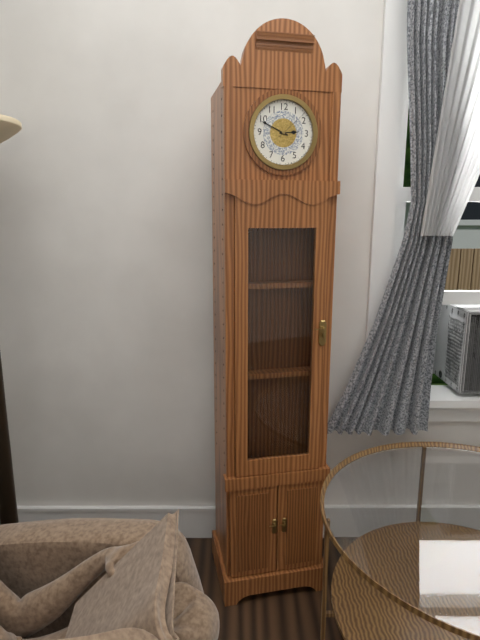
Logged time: 2 h 49 min
